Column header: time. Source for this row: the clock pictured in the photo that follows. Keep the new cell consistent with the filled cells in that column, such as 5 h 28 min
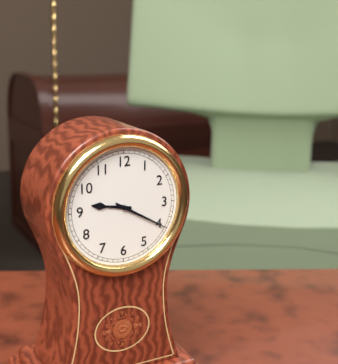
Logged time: 9 h 20 min
